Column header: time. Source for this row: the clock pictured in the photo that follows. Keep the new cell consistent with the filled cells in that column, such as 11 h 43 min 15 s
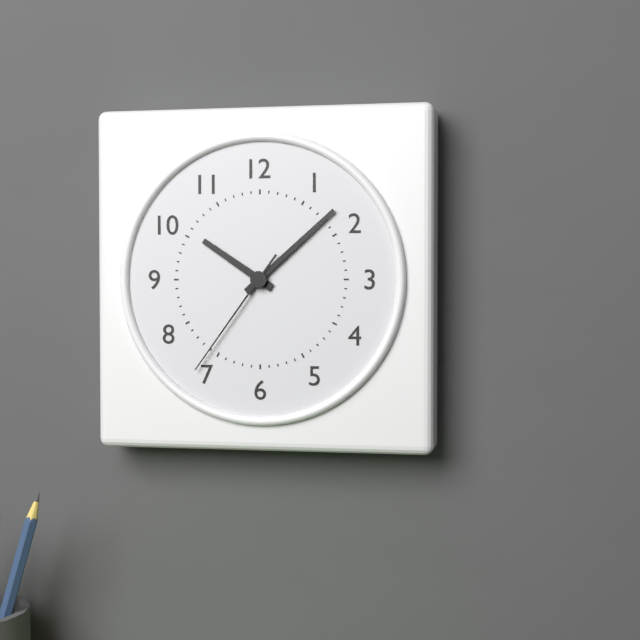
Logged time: 10 h 08 min 36 s
